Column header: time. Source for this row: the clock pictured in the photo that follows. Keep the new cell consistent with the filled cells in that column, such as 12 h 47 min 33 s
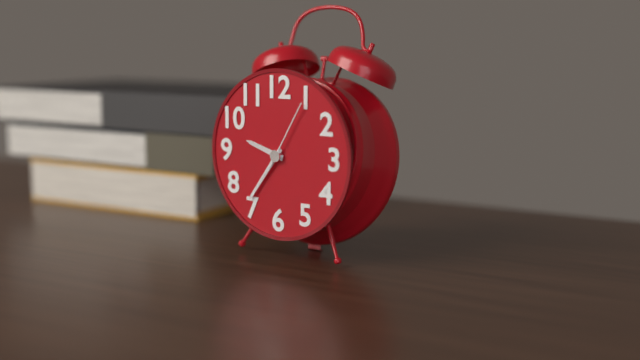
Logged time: 9 h 36 min 05 s
